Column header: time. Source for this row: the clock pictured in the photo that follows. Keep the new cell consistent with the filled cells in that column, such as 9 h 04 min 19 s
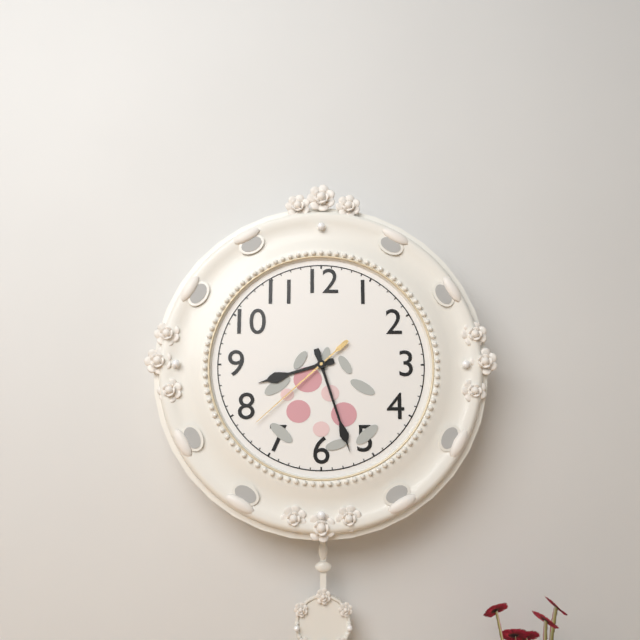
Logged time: 8 h 27 min 38 s
